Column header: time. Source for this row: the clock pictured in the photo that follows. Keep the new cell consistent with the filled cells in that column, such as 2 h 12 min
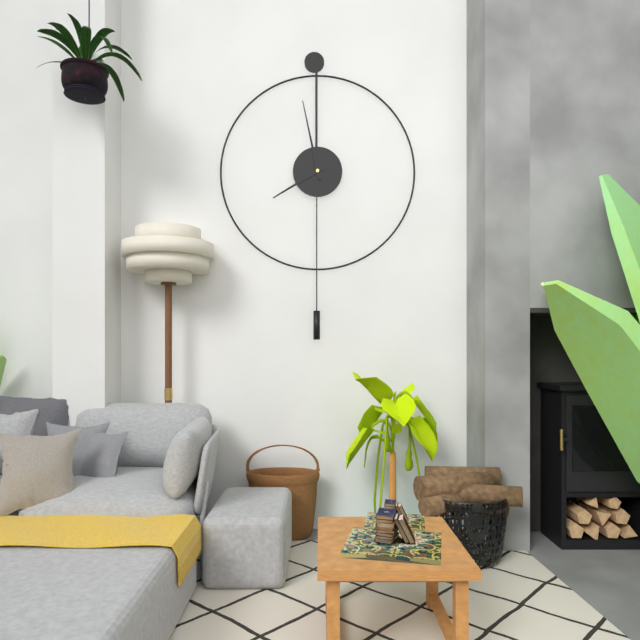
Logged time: 7 h 58 min
